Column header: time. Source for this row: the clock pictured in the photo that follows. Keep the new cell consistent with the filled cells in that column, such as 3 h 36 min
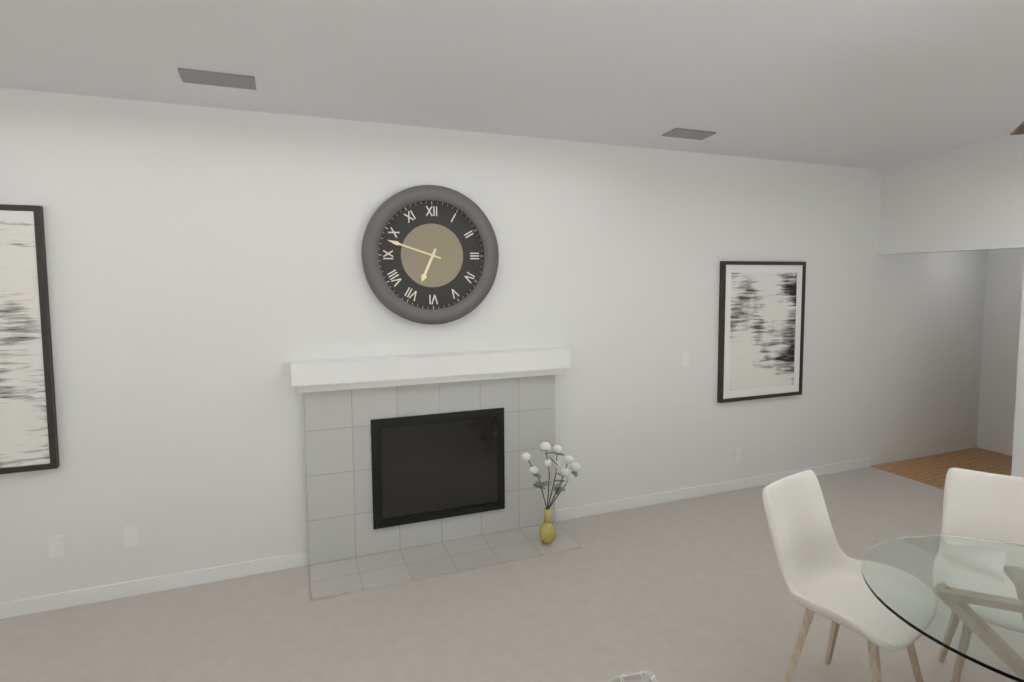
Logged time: 6 h 48 min
